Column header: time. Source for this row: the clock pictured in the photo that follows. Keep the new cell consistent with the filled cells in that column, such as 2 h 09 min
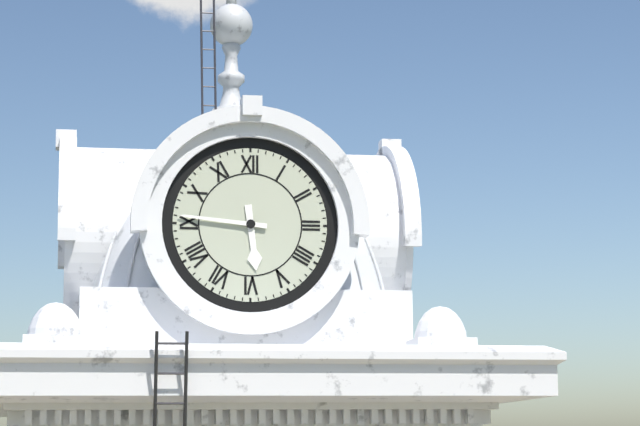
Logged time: 5 h 46 min
